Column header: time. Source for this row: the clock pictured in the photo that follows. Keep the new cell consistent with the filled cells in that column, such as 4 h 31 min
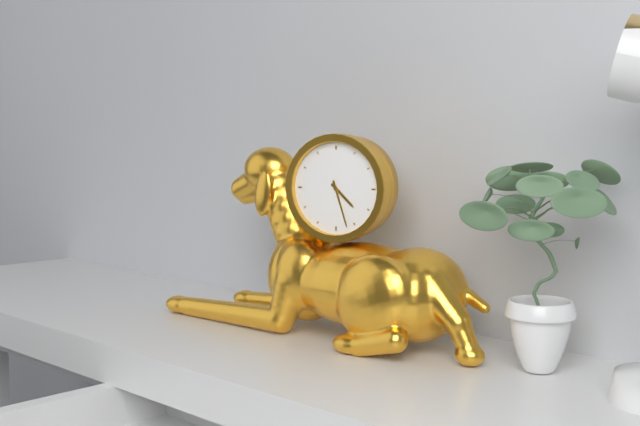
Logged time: 4 h 27 min
